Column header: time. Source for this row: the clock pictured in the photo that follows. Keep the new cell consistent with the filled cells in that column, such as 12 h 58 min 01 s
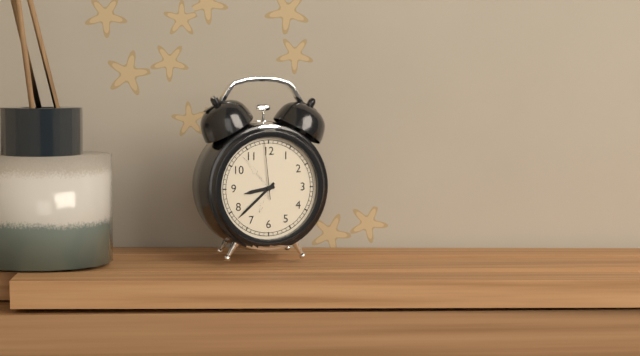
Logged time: 8 h 38 min 59 s
